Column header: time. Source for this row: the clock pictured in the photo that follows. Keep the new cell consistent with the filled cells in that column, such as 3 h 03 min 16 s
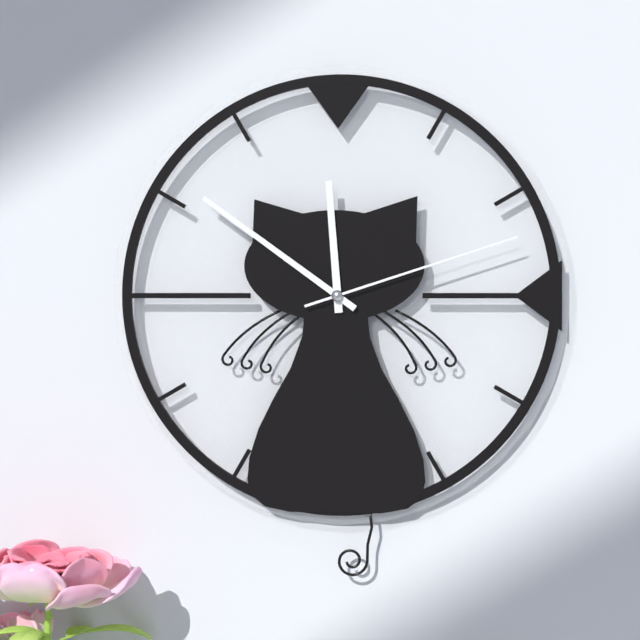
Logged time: 11 h 51 min 12 s
